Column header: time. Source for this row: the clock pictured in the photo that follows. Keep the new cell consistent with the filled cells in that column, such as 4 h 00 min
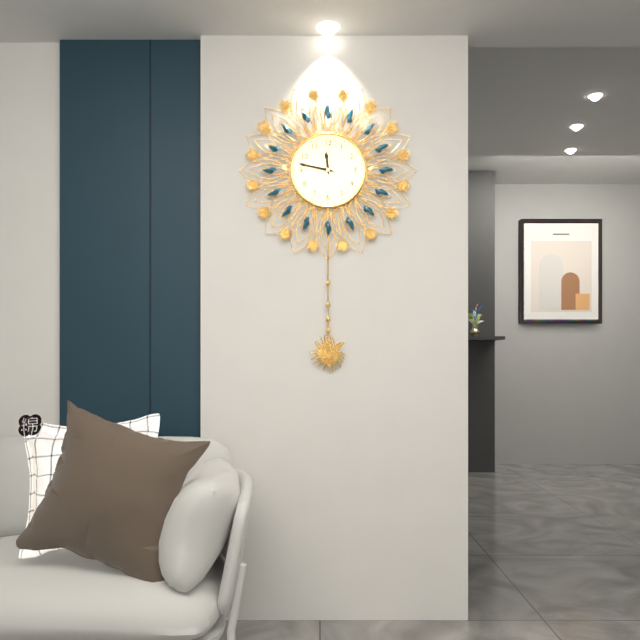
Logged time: 11 h 47 min
